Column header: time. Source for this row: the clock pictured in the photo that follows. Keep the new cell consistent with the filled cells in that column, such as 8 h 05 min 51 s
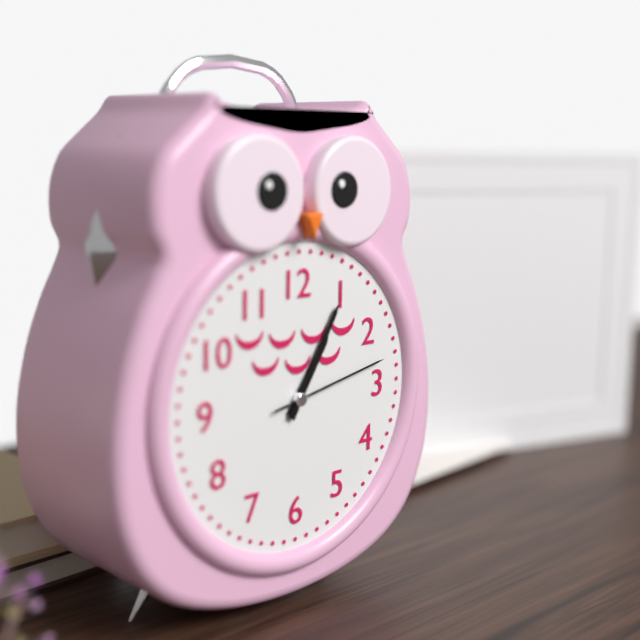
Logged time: 1 h 05 min 13 s
